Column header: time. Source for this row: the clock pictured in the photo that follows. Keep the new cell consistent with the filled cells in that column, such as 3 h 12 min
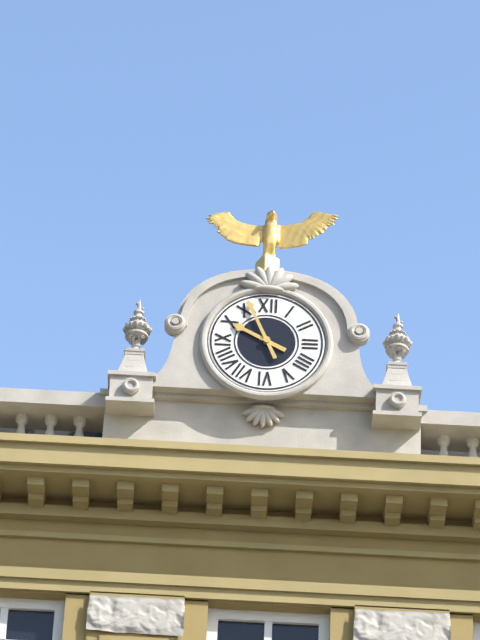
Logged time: 9 h 56 min
